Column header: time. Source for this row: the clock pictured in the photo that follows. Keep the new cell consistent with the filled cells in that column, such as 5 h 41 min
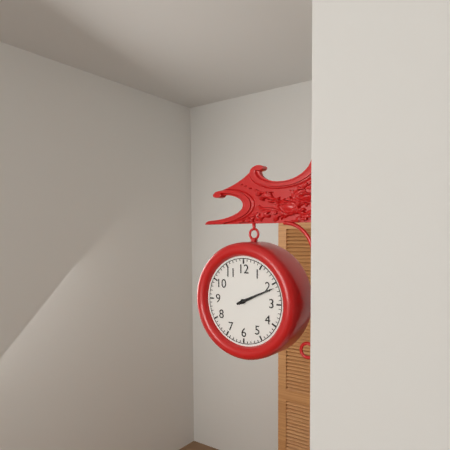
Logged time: 2 h 11 min
